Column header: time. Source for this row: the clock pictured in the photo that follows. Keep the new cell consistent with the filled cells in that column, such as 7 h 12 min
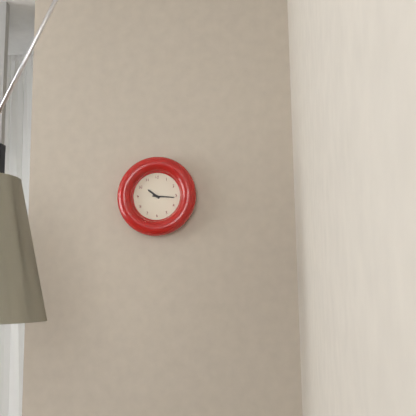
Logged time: 10 h 16 min
